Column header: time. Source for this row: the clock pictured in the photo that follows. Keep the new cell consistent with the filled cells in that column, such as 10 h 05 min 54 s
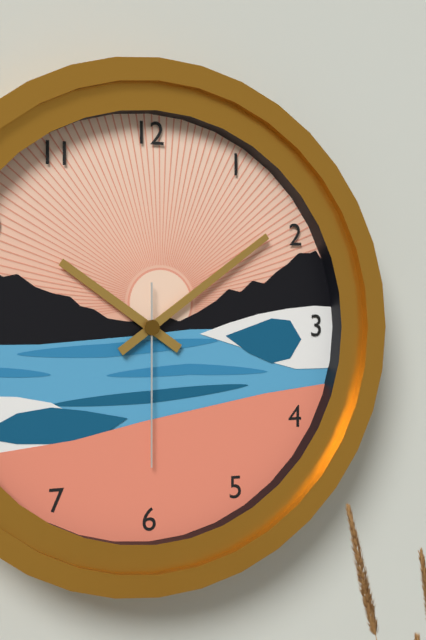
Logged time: 10 h 09 min 30 s
